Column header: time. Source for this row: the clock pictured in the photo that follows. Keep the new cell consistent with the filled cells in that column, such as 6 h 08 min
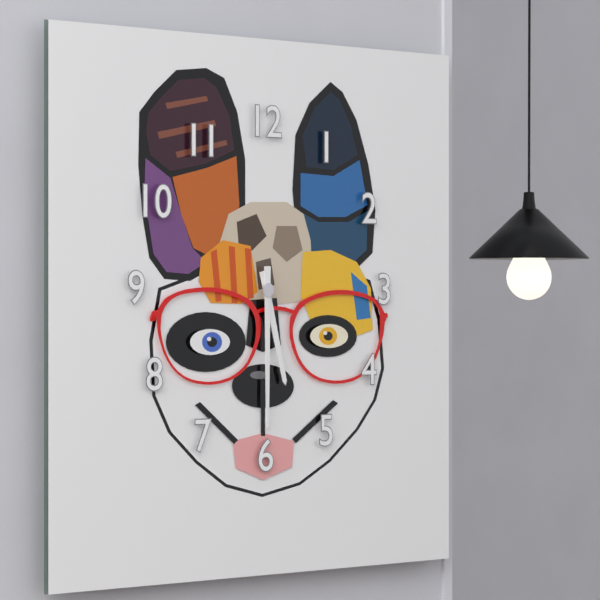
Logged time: 5 h 30 min
